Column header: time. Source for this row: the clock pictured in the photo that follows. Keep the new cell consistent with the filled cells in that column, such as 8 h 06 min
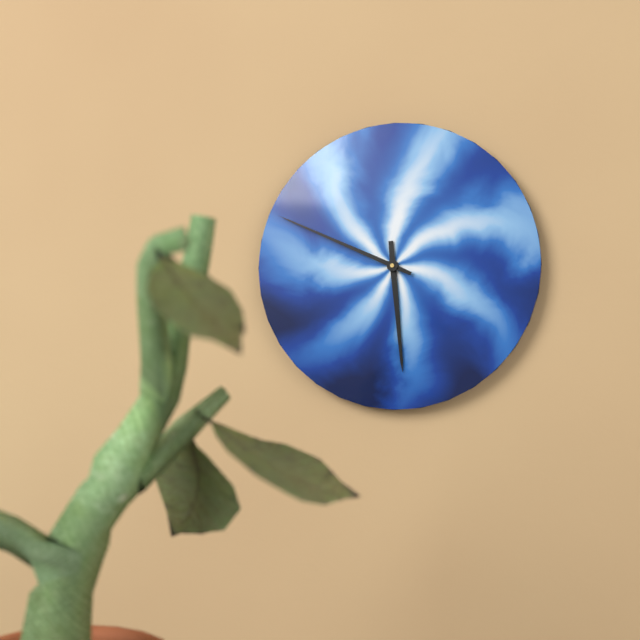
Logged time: 5 h 49 min
